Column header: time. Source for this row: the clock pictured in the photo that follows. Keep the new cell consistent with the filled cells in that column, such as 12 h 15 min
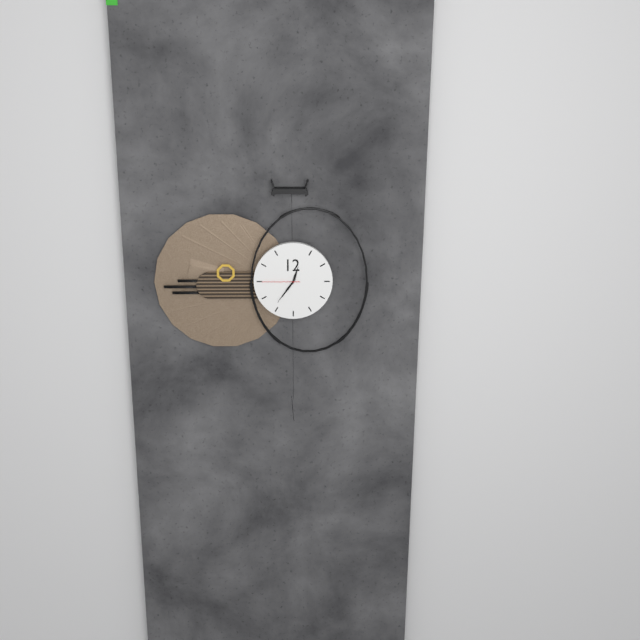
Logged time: 12 h 36 min
